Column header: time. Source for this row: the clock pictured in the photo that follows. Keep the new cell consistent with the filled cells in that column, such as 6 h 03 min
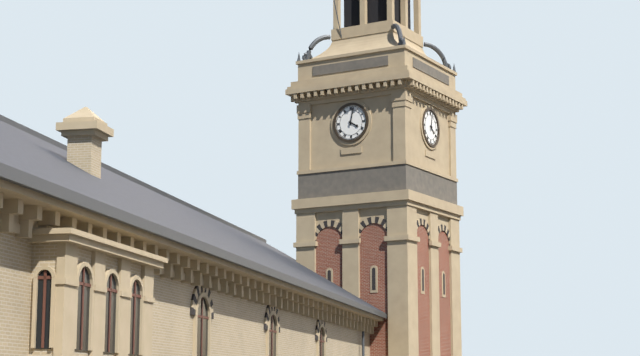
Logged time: 4 h 02 min
